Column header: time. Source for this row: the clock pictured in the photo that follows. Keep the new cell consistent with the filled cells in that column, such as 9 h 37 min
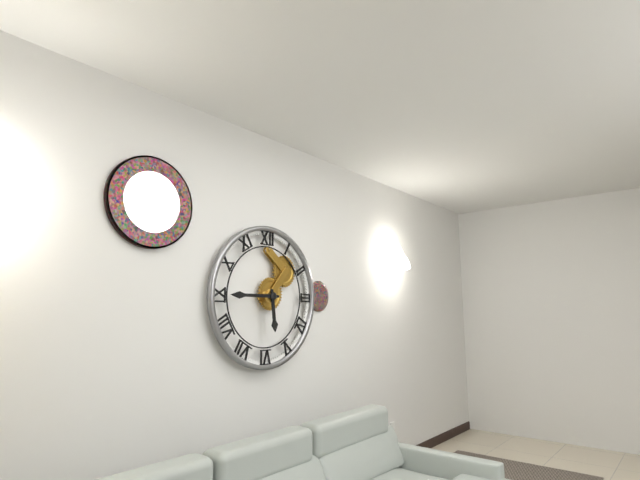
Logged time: 5 h 45 min
